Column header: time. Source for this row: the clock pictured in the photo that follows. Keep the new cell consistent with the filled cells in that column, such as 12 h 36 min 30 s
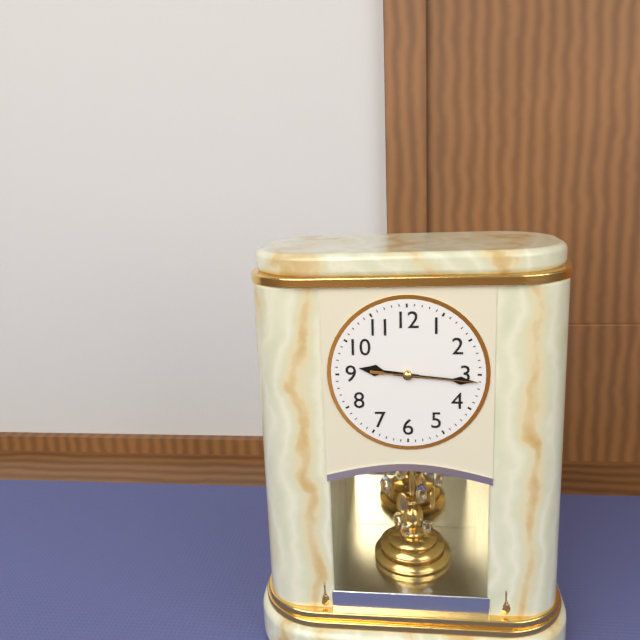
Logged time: 9 h 16 min 16 s
